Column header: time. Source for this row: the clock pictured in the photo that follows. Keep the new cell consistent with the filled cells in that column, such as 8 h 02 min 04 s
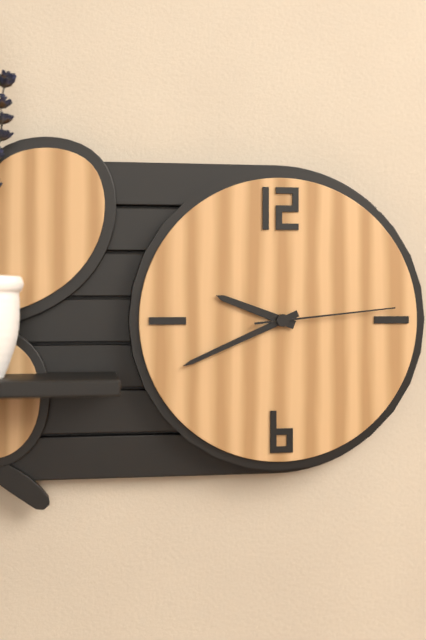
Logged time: 9 h 41 min 14 s
